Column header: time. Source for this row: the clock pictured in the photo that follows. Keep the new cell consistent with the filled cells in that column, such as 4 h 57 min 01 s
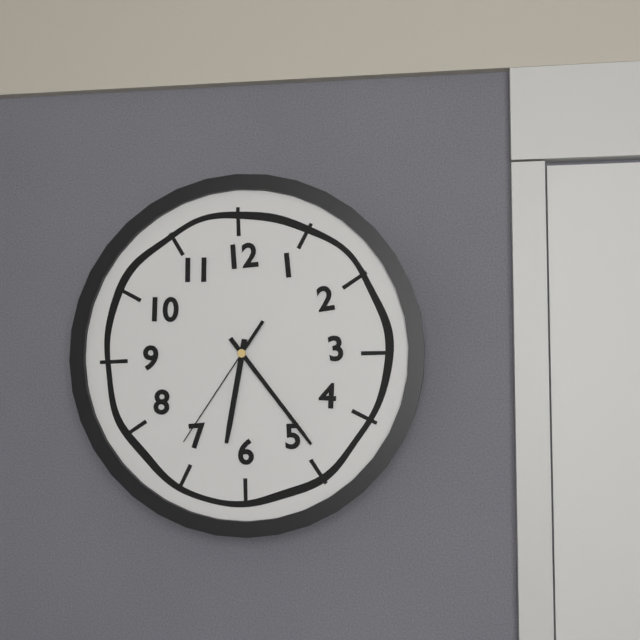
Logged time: 6 h 24 min 36 s
